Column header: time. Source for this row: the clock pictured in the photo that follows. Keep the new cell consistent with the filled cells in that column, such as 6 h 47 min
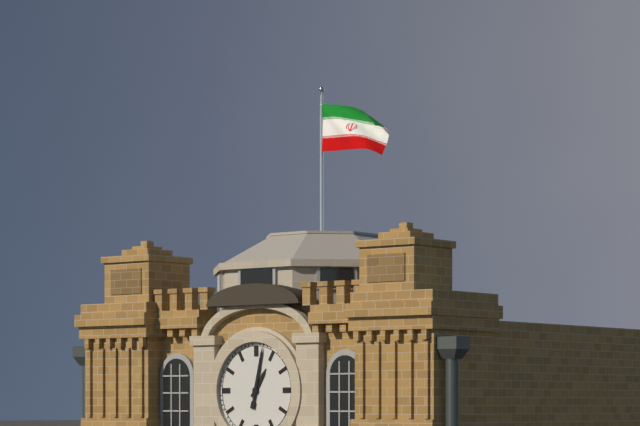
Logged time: 1 h 02 min
